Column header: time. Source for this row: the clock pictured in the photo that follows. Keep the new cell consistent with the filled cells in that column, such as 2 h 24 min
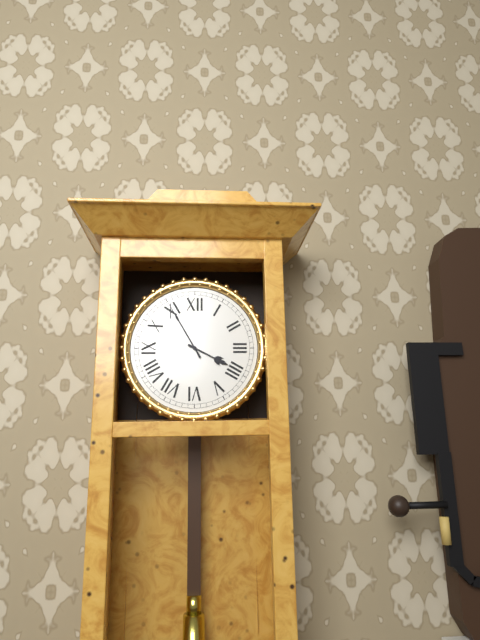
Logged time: 3 h 55 min
